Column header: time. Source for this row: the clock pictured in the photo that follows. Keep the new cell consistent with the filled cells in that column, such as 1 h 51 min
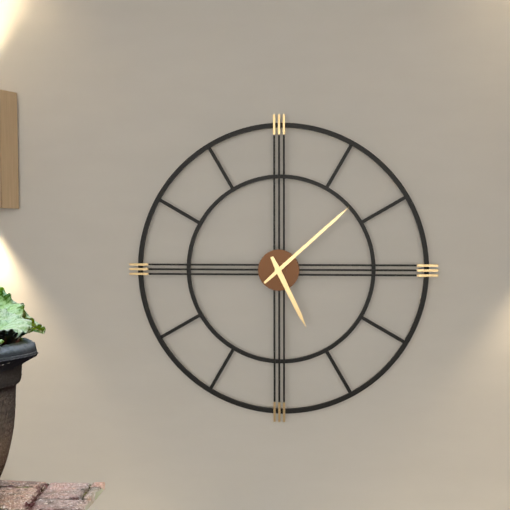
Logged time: 5 h 08 min
